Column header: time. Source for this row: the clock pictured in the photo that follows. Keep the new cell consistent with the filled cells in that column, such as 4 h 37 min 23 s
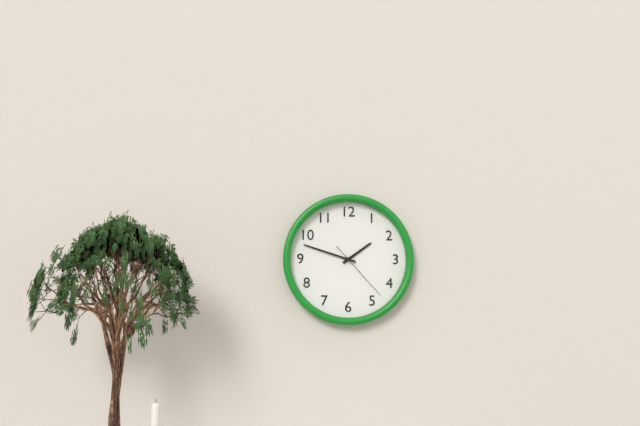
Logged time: 1 h 48 min 23 s
